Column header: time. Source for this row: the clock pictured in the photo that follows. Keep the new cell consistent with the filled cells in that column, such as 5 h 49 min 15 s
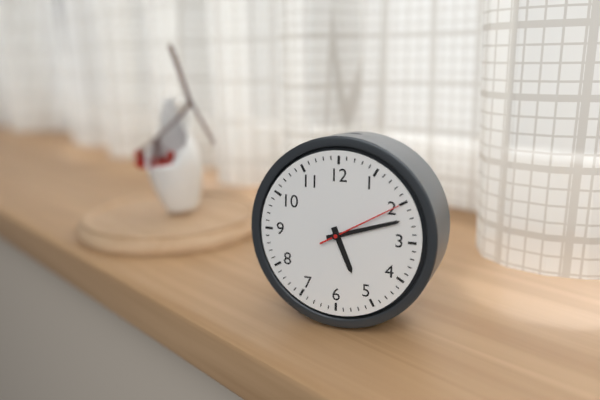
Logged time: 5 h 12 min 10 s
